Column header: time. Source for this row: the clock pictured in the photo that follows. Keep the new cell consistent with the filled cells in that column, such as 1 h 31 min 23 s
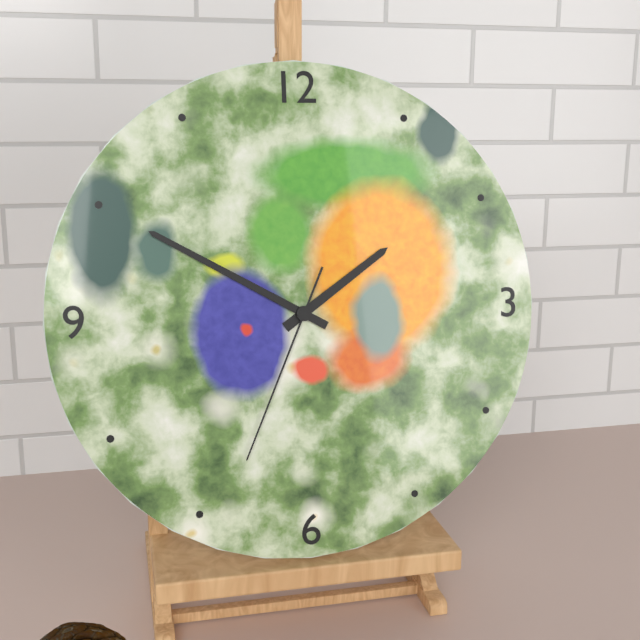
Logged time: 1 h 50 min 34 s
